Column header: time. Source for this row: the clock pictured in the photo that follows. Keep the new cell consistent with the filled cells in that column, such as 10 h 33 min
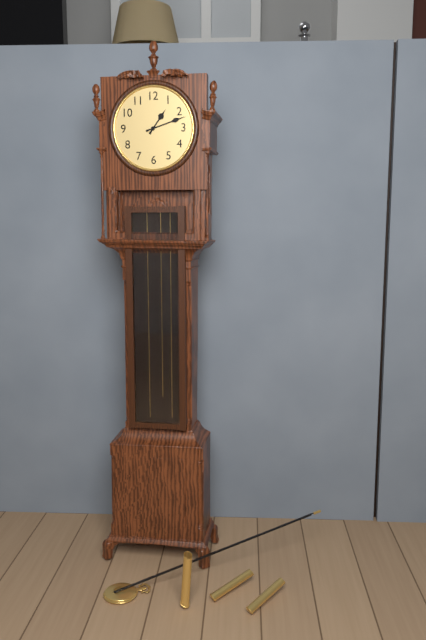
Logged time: 1 h 12 min
